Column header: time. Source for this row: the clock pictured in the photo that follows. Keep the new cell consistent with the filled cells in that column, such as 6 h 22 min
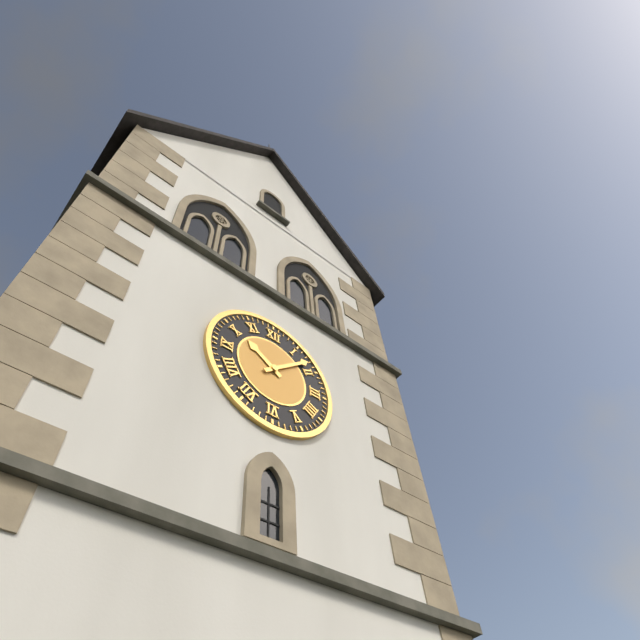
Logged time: 10 h 08 min
